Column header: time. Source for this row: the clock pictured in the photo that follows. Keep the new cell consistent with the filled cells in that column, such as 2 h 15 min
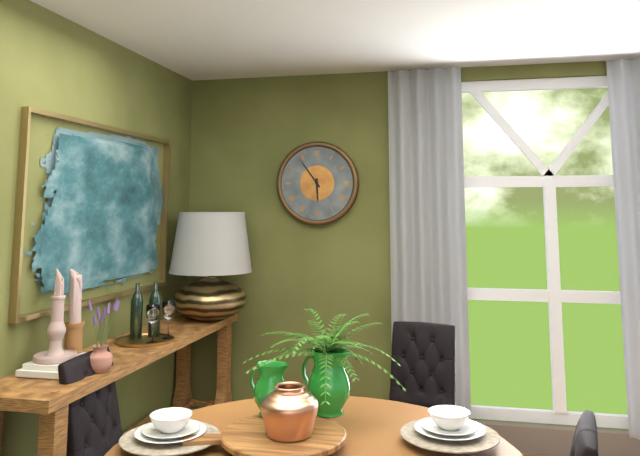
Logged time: 5 h 54 min
